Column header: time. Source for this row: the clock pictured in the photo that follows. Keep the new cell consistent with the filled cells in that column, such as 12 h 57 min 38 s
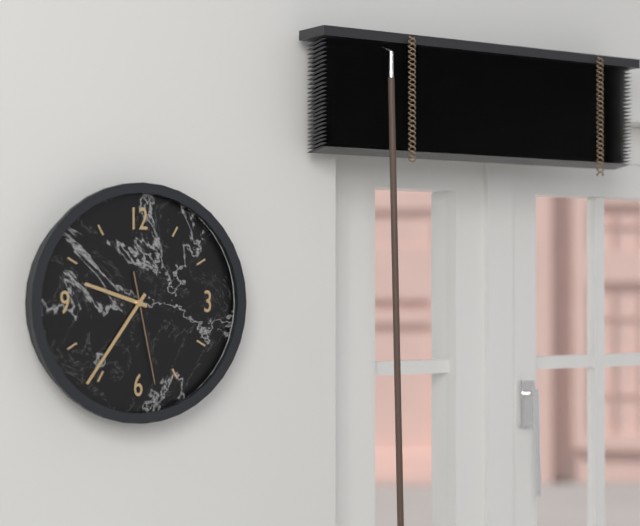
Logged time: 9 h 36 min 28 s
